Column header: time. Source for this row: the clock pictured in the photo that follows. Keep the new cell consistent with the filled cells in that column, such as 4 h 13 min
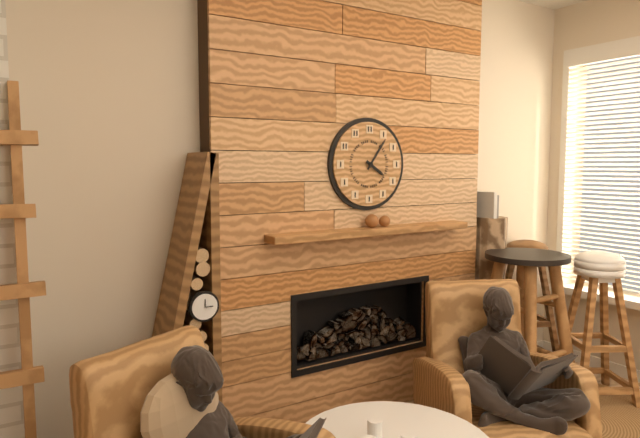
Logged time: 4 h 06 min
